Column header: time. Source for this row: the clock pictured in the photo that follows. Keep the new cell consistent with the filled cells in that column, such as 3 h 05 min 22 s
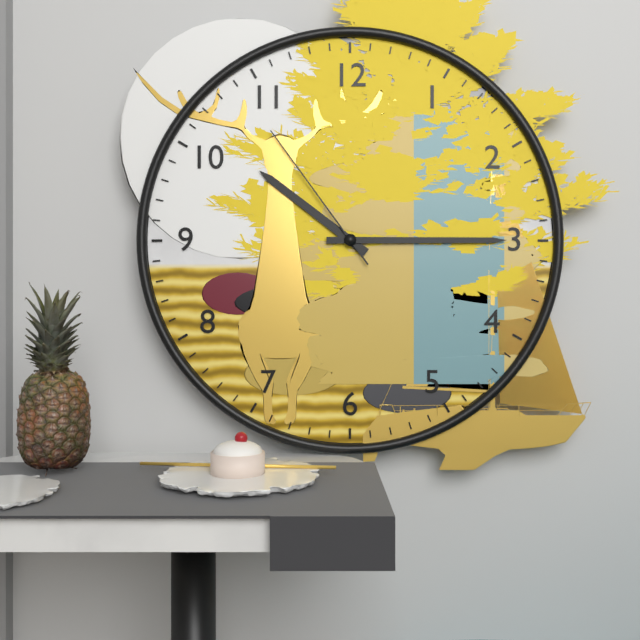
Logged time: 10 h 15 min 54 s
